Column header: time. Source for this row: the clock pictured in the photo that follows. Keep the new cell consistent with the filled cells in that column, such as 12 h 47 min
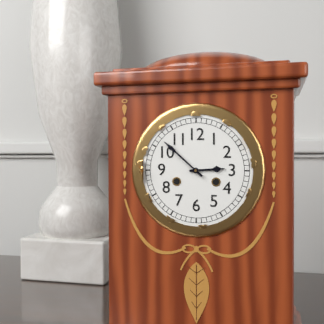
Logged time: 2 h 52 min
